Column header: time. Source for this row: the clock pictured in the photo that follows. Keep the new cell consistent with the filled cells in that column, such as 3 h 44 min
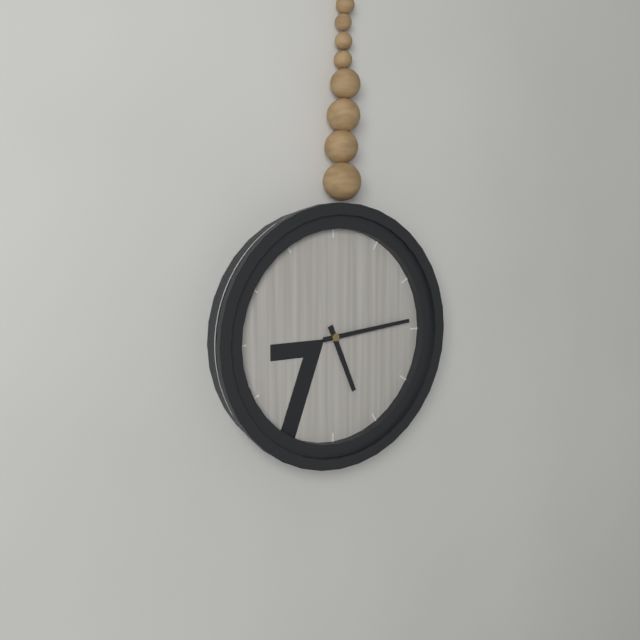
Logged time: 5 h 14 min
